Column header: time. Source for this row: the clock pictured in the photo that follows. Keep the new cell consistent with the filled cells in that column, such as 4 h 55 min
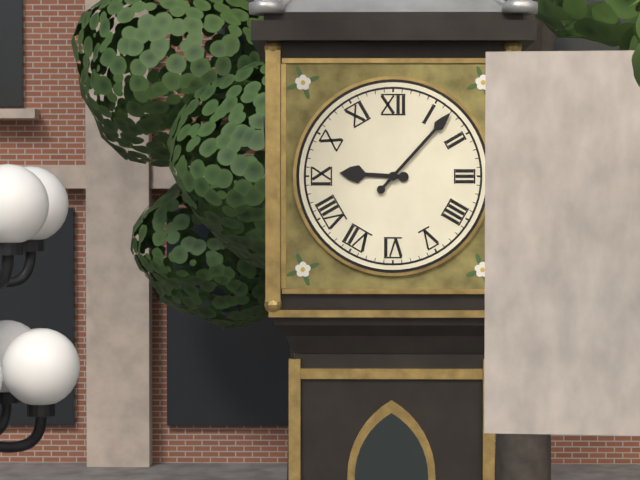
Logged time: 9 h 07 min
